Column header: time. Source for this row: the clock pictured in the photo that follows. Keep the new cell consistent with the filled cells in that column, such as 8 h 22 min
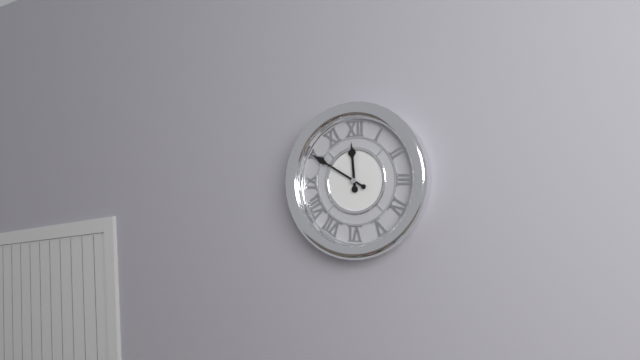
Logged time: 11 h 50 min
